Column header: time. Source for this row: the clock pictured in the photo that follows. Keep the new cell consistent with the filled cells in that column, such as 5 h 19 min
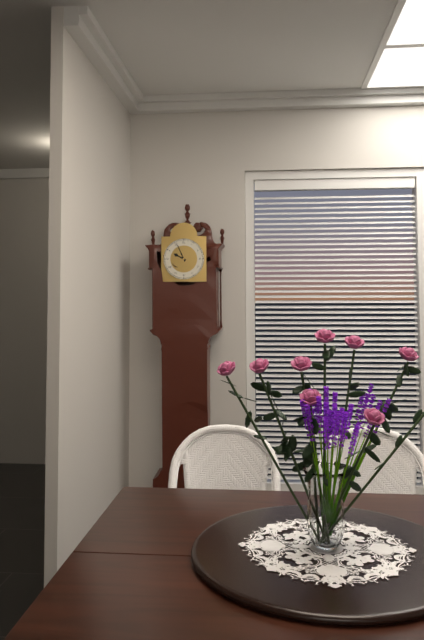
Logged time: 9 h 56 min
